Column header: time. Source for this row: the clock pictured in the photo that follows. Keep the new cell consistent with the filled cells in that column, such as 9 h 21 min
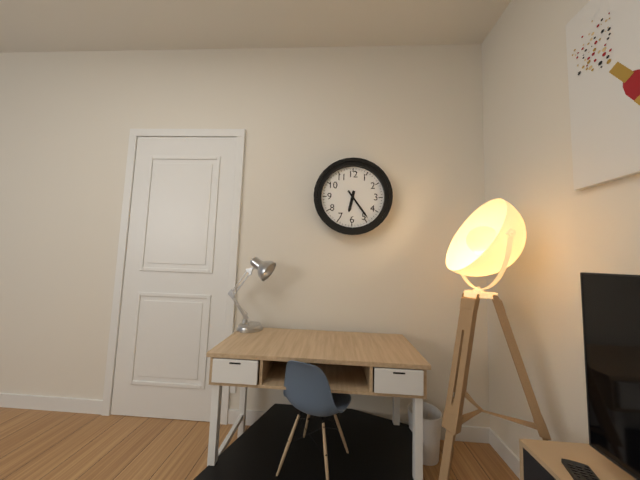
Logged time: 6 h 24 min
